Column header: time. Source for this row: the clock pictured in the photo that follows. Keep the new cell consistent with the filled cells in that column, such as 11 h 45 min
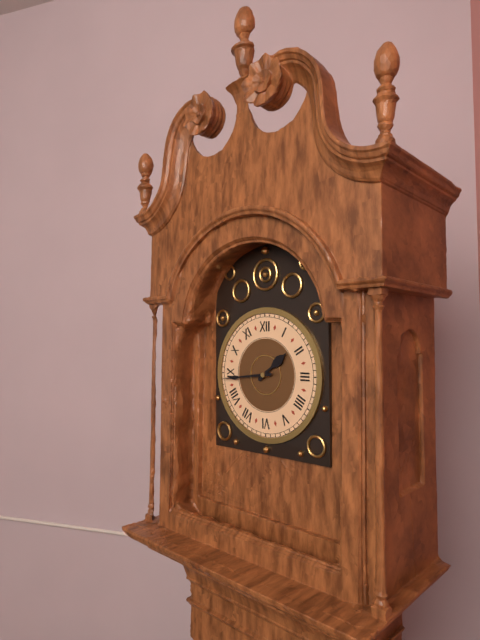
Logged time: 1 h 44 min
